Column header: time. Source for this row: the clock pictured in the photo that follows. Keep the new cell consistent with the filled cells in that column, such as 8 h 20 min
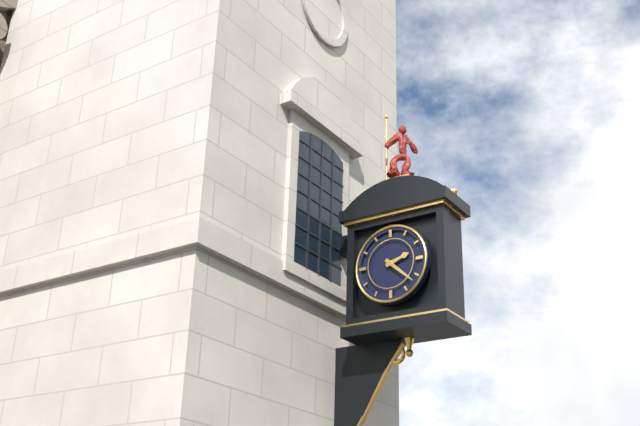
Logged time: 2 h 22 min
